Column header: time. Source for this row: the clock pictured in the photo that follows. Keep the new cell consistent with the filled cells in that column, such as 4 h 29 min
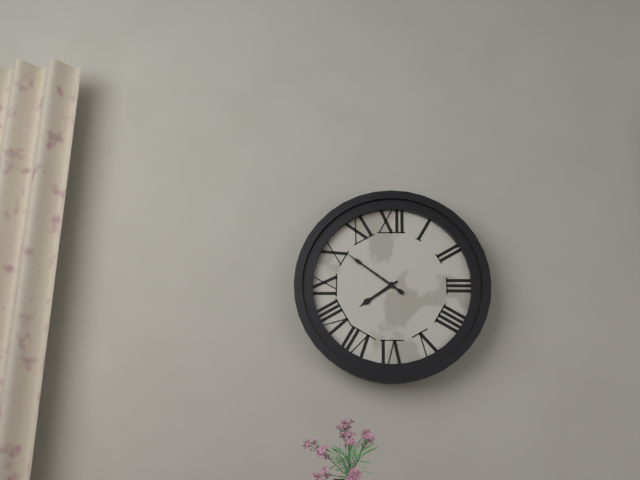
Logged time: 7 h 51 min
